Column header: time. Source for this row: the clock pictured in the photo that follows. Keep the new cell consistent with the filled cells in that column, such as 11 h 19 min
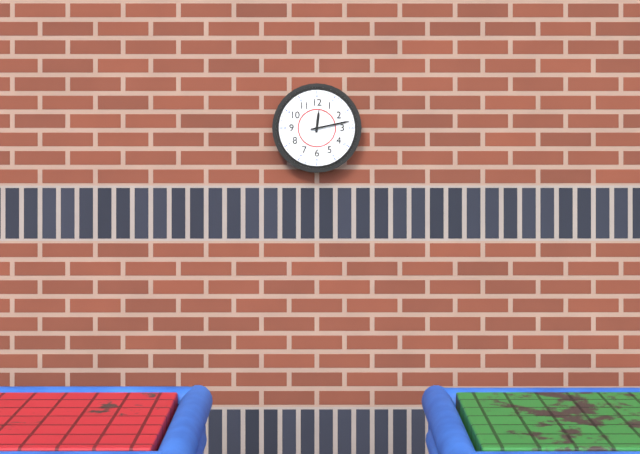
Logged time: 12 h 13 min
